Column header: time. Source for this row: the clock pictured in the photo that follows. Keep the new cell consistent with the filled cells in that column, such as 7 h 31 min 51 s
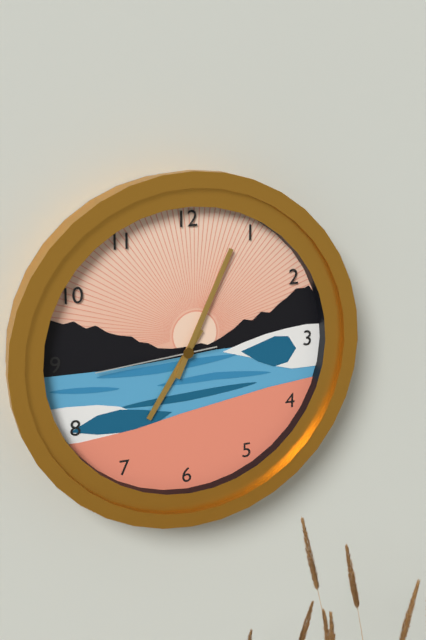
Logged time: 7 h 04 min 44 s
